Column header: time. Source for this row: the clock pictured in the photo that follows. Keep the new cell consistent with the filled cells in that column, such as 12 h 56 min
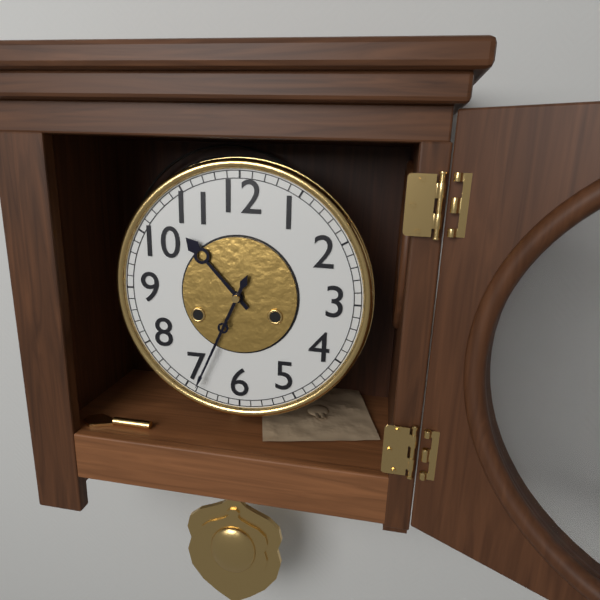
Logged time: 10 h 34 min
